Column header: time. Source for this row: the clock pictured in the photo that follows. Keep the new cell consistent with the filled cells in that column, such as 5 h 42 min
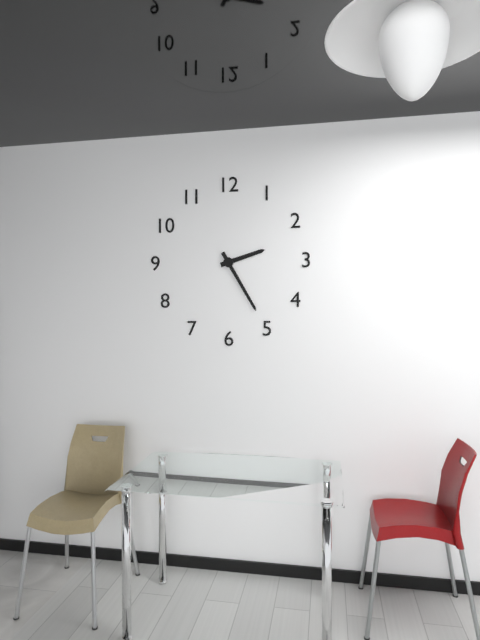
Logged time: 2 h 25 min
